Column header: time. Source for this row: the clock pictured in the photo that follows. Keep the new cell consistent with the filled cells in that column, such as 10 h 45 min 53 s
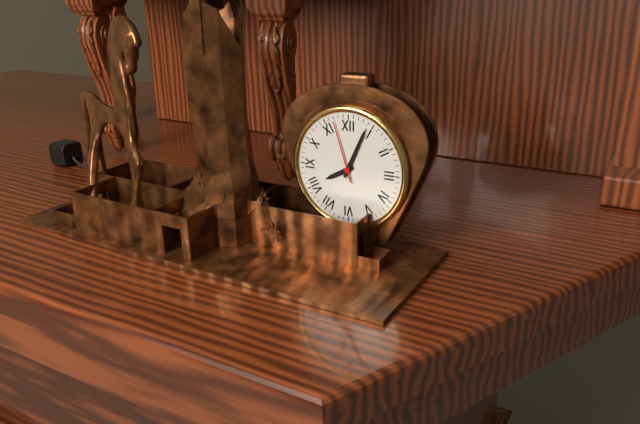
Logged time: 8 h 04 min 57 s
